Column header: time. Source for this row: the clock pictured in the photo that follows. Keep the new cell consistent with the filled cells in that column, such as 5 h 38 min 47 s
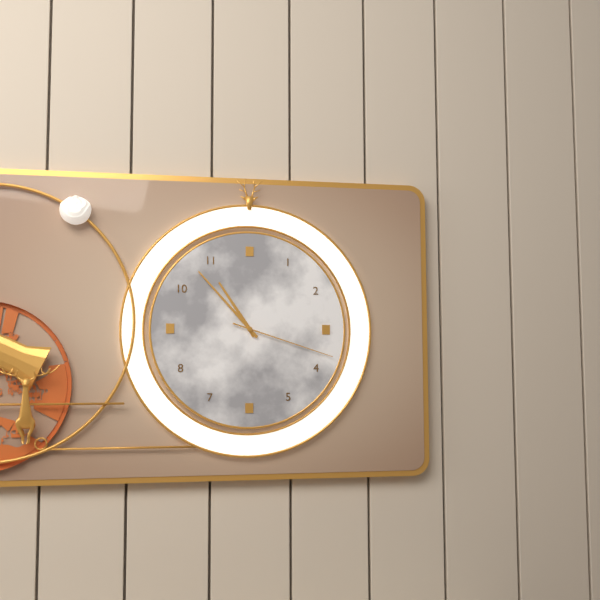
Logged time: 10 h 53 min 18 s
